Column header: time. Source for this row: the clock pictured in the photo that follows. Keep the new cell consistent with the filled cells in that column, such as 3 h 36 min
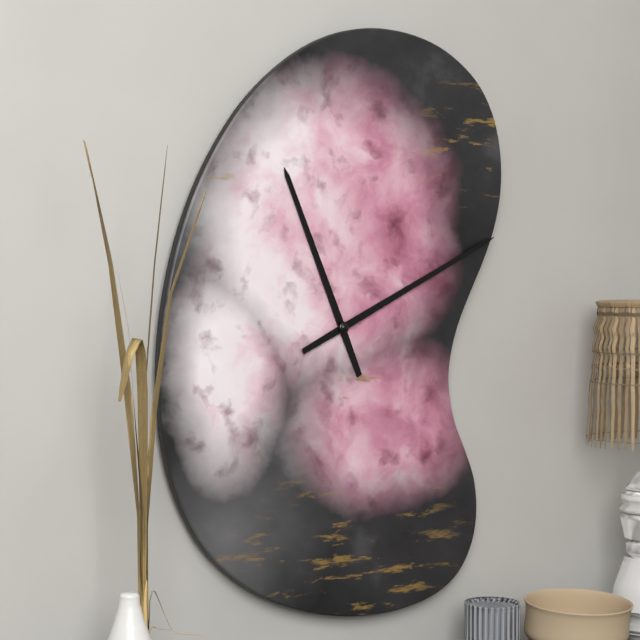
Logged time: 11 h 11 min
